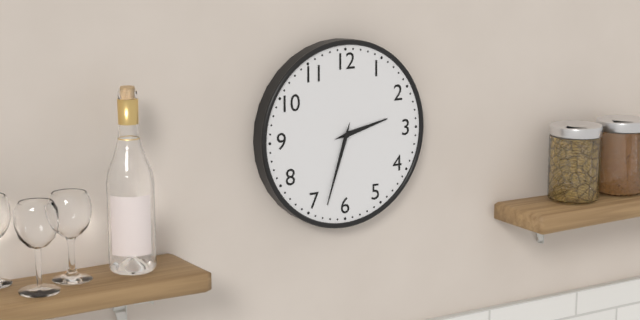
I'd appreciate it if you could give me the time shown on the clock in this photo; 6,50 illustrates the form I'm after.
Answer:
2,33
